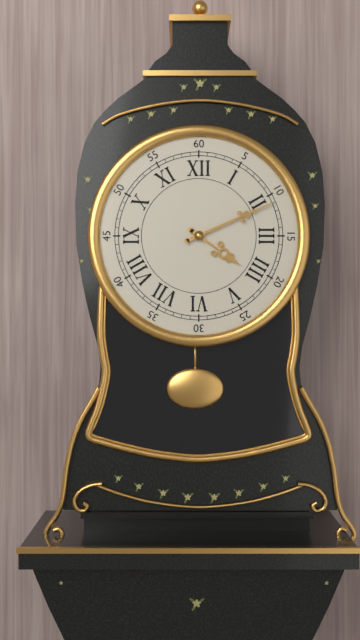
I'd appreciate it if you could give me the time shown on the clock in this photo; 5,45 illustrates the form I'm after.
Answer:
4,11
